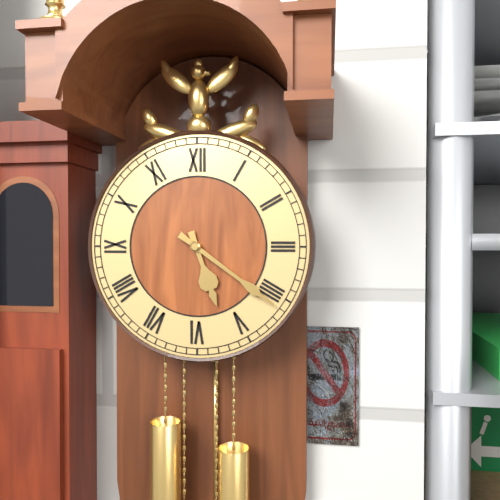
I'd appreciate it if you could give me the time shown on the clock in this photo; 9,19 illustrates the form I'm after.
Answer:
5,21
